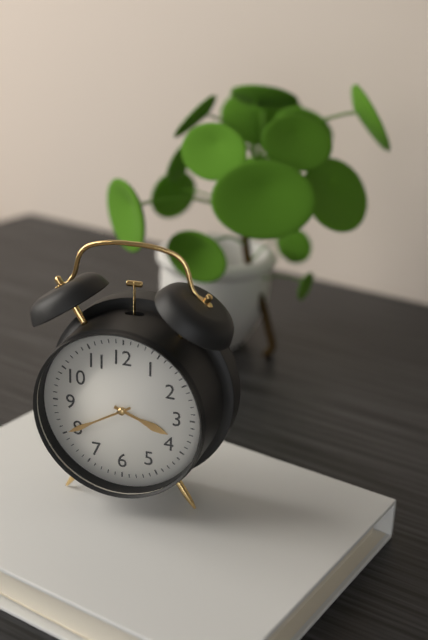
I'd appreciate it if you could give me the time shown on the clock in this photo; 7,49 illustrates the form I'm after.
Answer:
3,40
